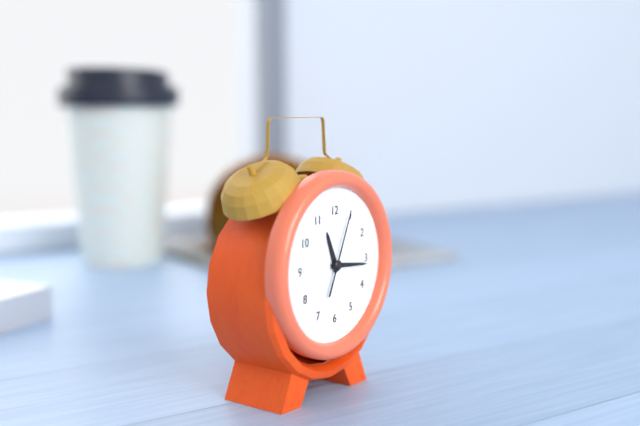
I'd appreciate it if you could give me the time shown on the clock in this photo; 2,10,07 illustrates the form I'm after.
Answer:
11,16,04
